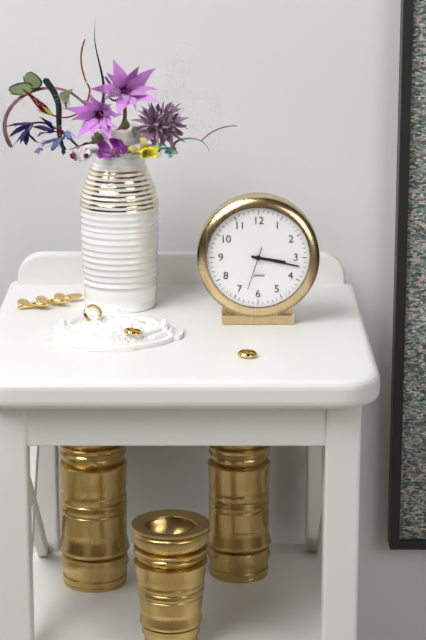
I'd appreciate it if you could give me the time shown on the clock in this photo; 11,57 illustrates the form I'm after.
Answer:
3,17
